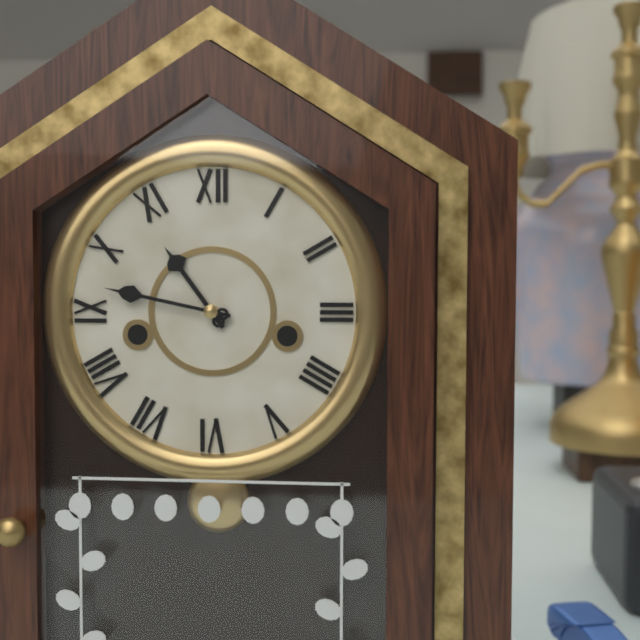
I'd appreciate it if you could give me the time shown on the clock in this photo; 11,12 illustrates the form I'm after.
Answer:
10,47
